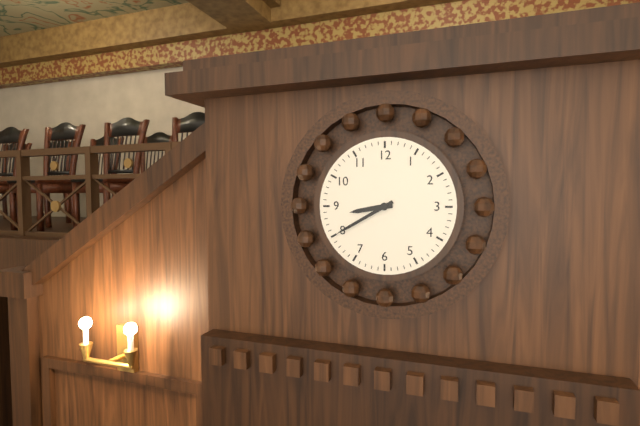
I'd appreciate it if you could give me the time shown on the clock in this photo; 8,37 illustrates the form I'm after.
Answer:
8,40
